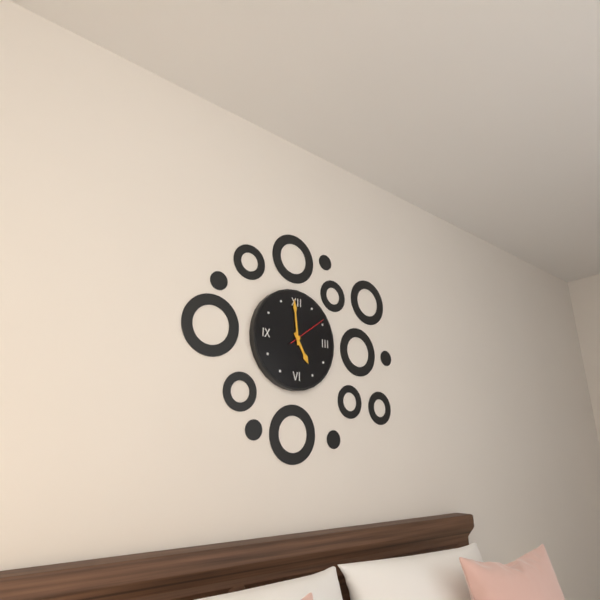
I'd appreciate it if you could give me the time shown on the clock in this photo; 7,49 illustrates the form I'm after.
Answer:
4,59
